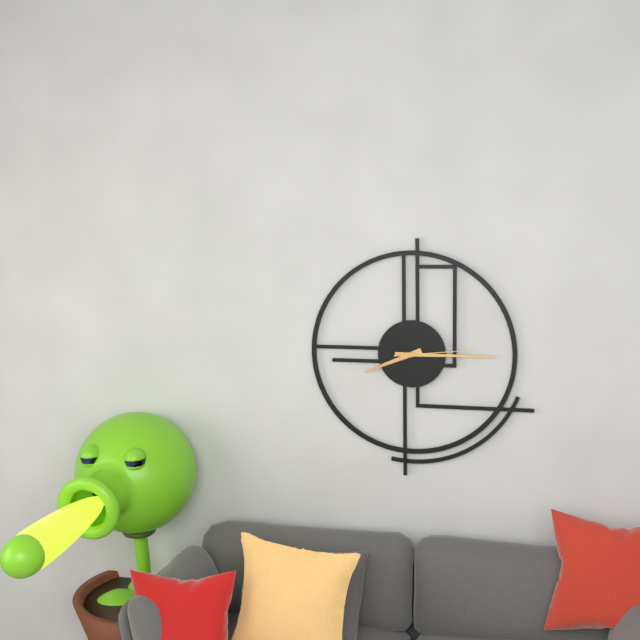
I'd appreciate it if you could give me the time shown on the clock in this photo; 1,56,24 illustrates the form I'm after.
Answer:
8,15,14
